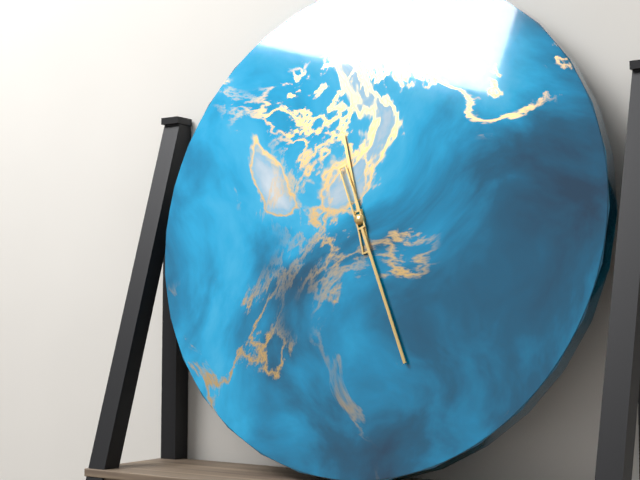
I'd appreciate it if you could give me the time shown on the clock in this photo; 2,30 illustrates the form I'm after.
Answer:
11,26
